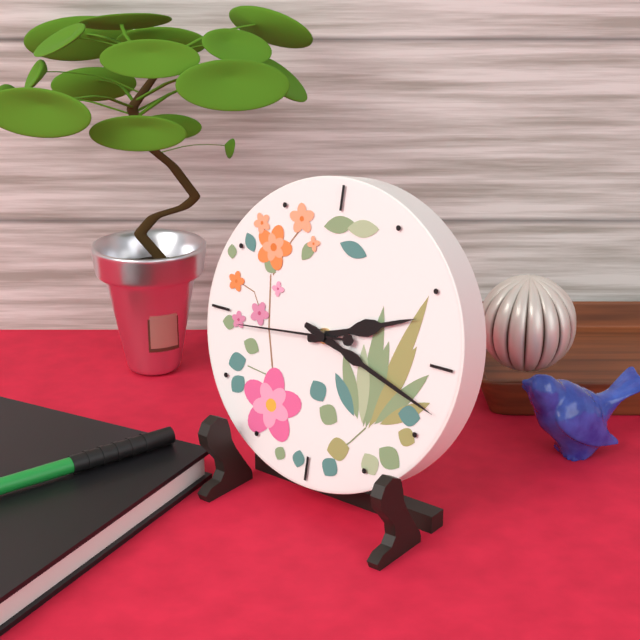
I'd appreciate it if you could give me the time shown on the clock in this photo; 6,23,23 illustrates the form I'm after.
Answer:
2,18,44
